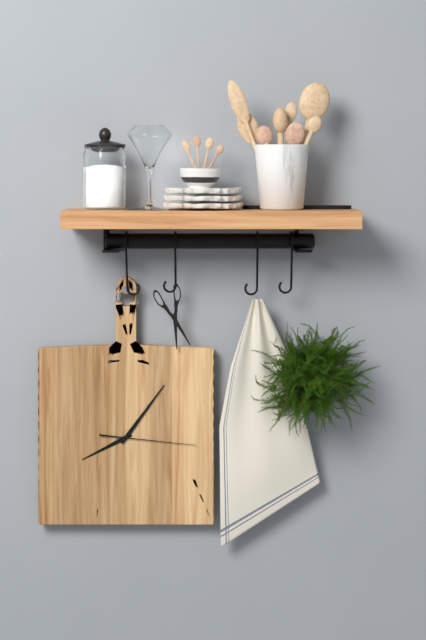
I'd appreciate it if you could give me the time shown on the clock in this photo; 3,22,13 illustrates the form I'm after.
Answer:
8,06,16
